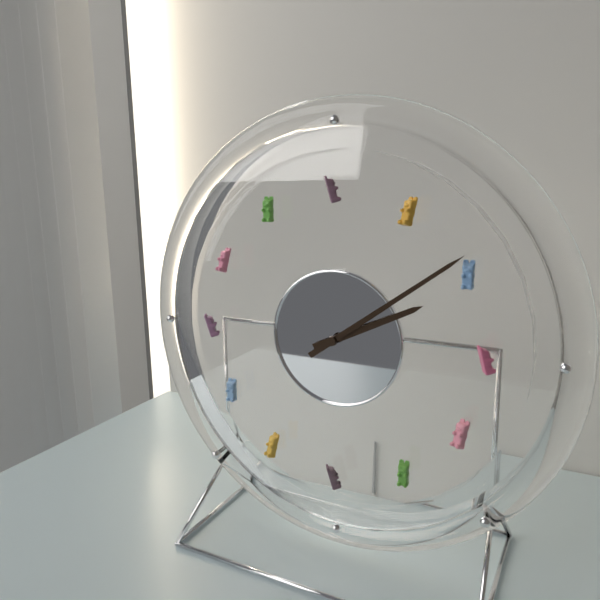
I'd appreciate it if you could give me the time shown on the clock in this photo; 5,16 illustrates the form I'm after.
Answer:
2,09
